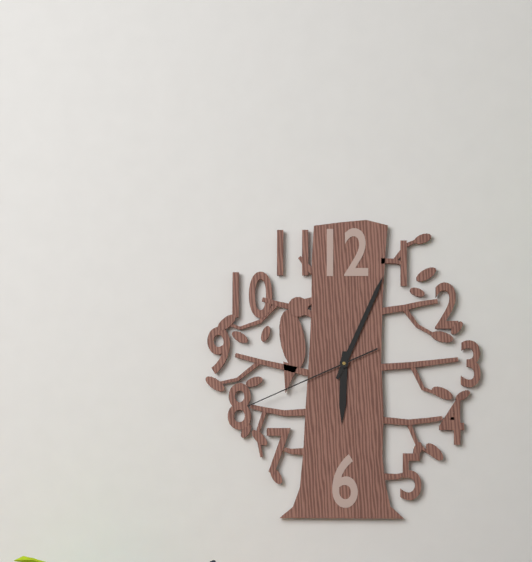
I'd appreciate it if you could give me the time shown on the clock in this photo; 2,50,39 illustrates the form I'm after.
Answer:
6,04,41
